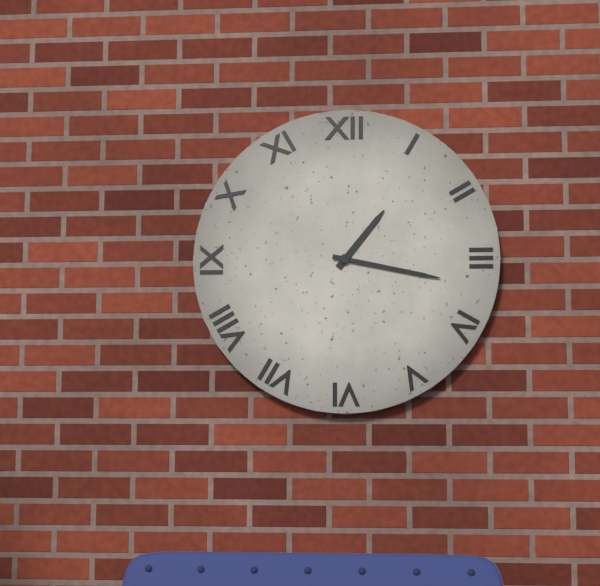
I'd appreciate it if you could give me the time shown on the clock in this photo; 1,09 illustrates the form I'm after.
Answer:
1,17
